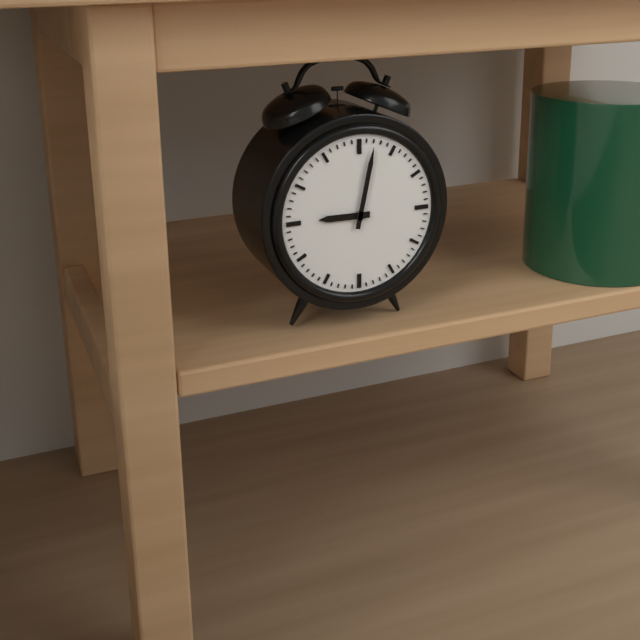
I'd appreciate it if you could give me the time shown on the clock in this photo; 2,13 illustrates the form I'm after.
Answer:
9,02
